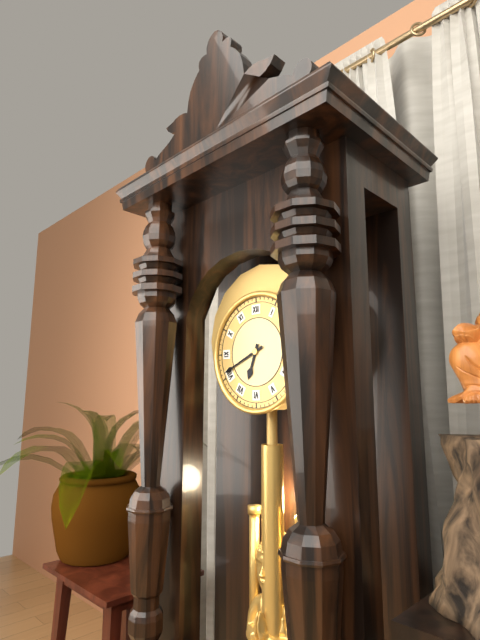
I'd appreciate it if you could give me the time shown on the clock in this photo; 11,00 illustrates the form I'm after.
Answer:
6,41
